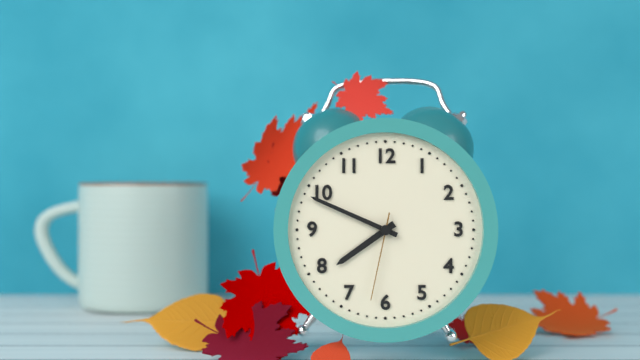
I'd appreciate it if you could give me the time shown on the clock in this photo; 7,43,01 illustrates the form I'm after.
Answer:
7,49,32
